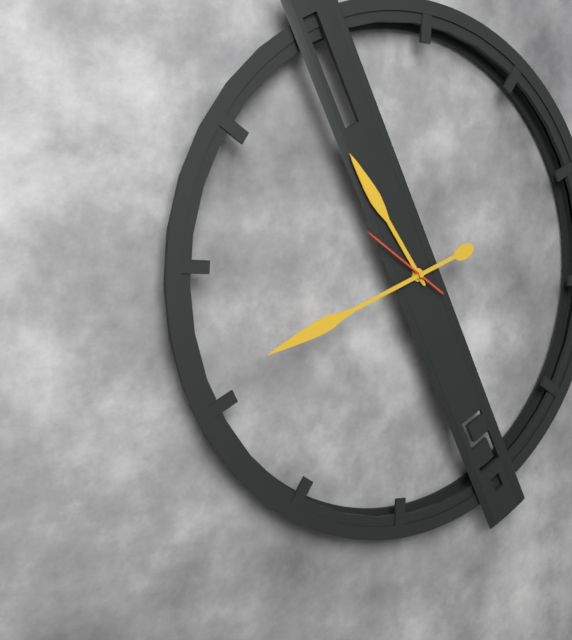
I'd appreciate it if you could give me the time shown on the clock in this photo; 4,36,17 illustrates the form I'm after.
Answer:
10,41,50
